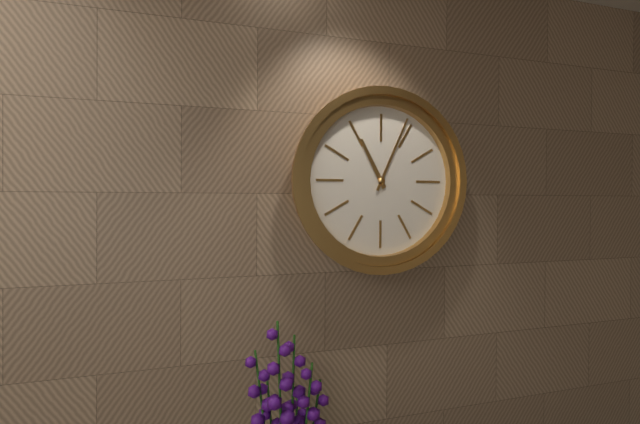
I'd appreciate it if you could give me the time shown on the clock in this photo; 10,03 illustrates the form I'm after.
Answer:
11,04
